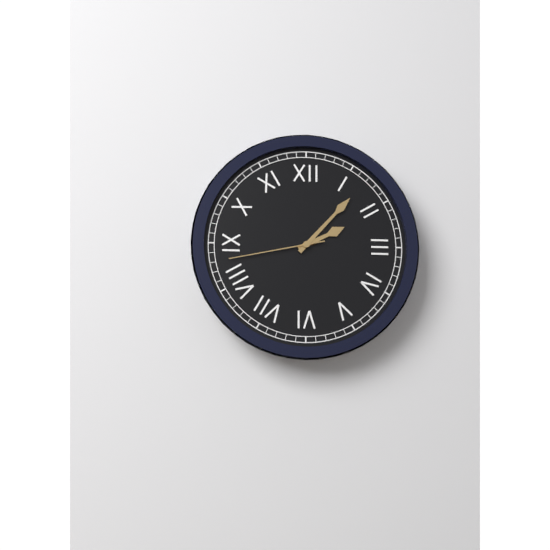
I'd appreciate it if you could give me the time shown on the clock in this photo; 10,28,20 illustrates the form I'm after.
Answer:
2,07,43
